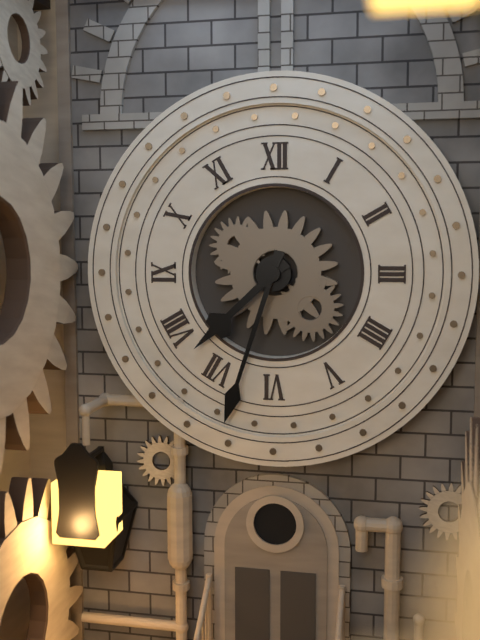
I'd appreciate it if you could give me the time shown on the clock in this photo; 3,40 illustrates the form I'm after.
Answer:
7,33
